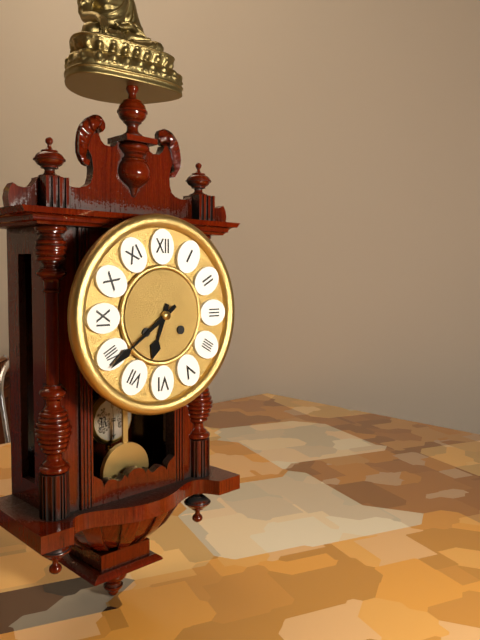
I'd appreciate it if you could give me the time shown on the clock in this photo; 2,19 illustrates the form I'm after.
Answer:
6,39
